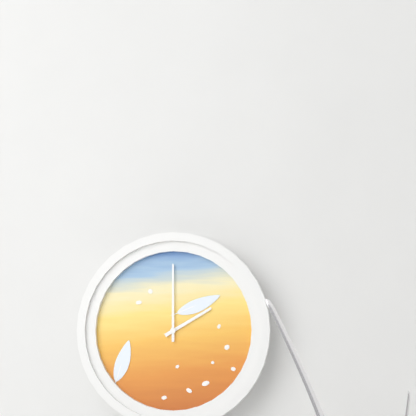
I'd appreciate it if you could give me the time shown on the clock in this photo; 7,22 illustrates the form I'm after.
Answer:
2,00
